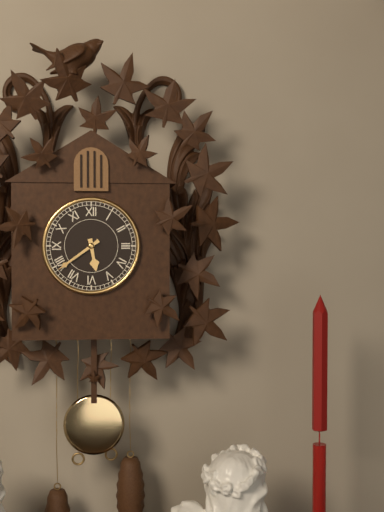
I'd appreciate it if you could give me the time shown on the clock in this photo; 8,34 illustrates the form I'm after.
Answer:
5,39
